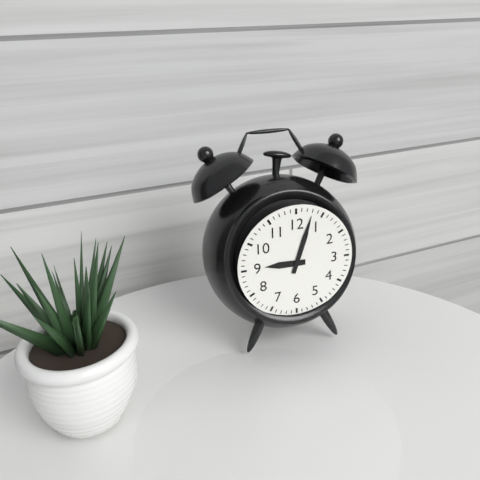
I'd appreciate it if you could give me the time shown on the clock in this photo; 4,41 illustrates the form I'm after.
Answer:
9,03
